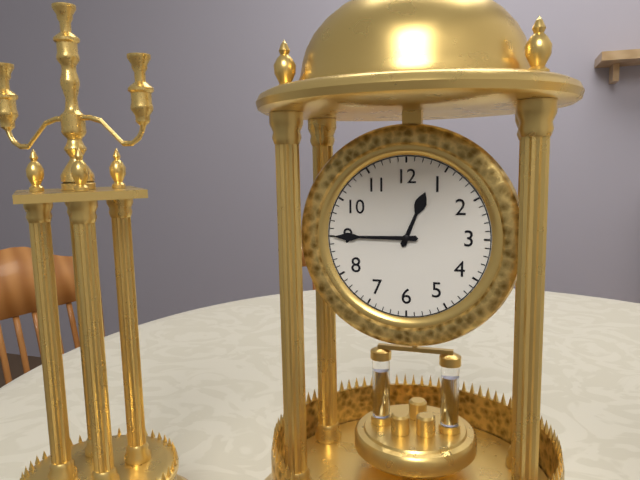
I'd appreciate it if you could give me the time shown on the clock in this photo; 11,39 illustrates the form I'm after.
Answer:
12,45
